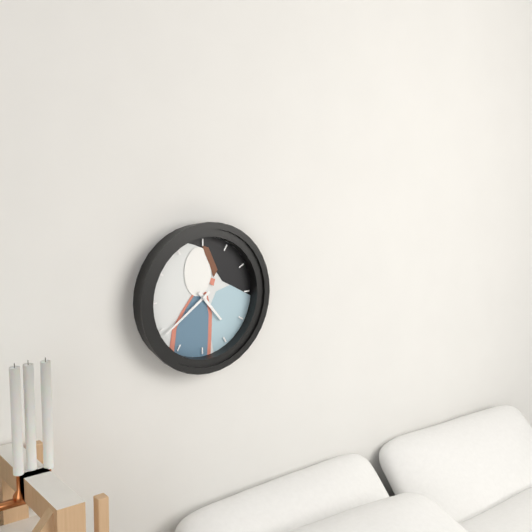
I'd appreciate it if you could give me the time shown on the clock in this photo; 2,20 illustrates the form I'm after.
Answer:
4,39
